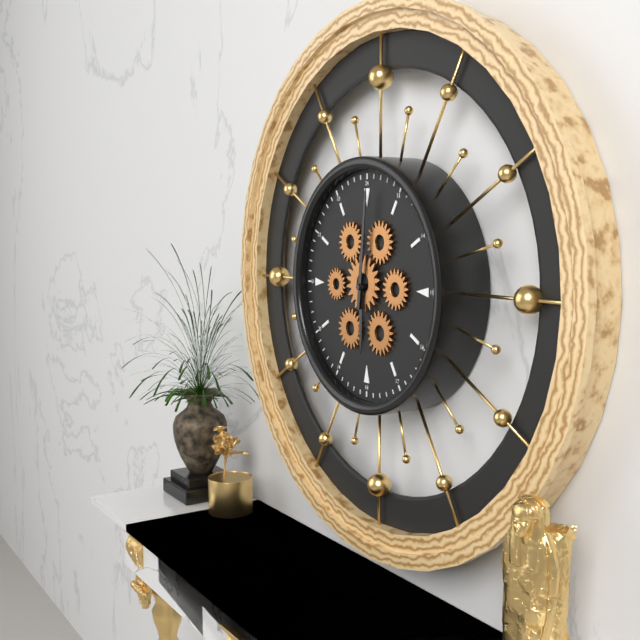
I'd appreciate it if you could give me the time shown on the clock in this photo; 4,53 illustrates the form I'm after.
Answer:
6,01
